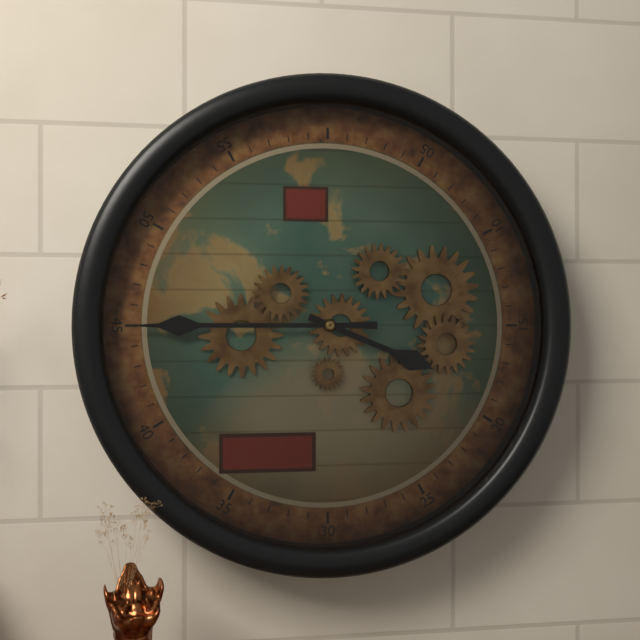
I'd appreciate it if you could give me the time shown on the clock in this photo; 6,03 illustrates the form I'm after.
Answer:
3,45
